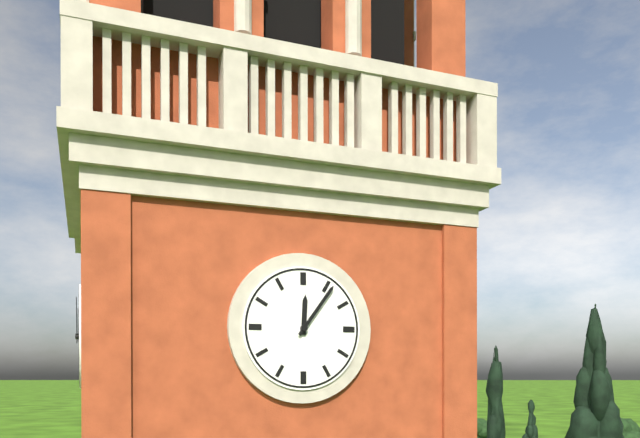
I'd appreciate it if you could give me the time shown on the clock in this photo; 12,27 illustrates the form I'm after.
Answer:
12,06
